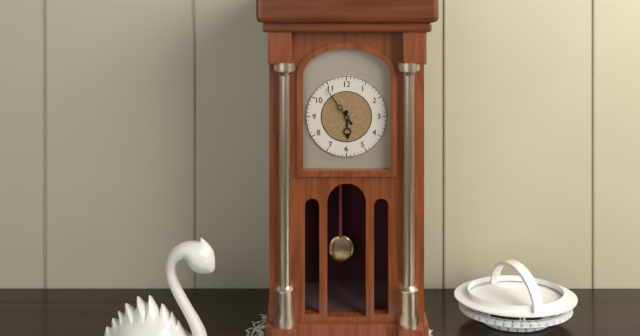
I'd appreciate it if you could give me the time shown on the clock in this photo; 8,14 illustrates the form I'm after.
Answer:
5,54
